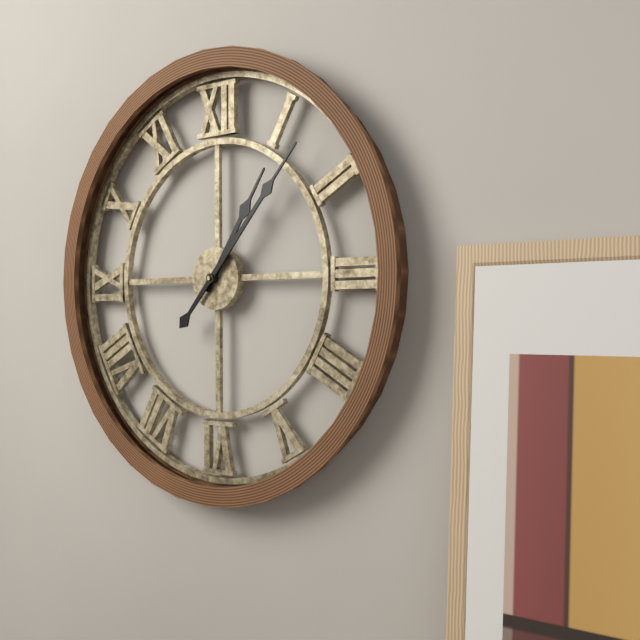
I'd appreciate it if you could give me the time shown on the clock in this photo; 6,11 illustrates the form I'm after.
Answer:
1,07
